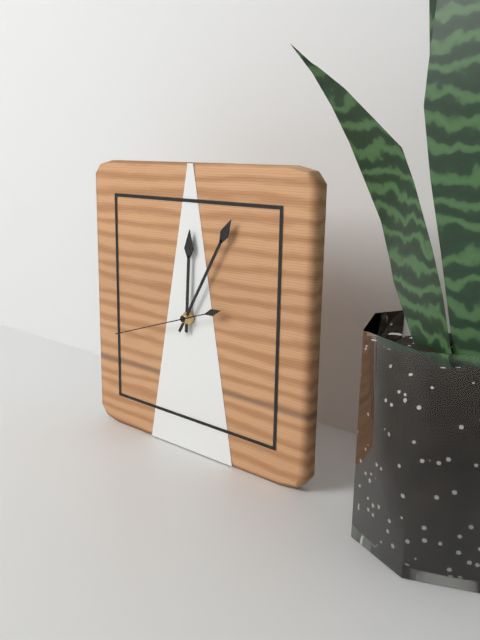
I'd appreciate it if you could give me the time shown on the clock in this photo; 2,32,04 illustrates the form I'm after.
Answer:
12,05,42
